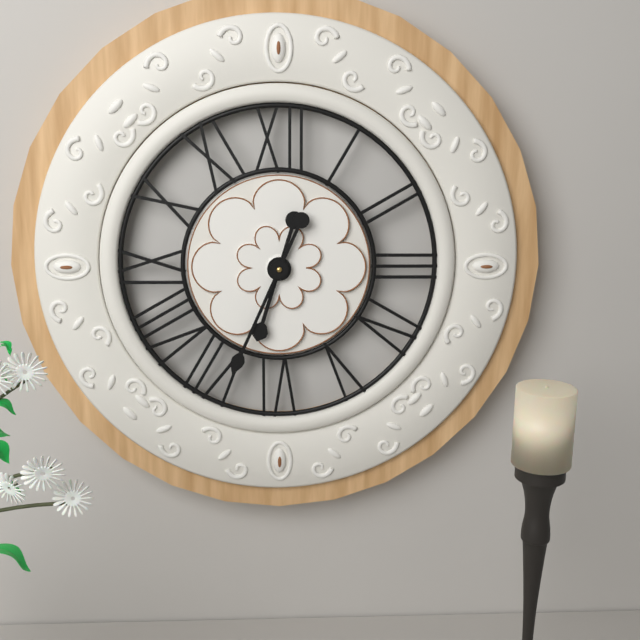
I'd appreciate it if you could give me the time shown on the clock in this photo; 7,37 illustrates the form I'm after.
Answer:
6,34
